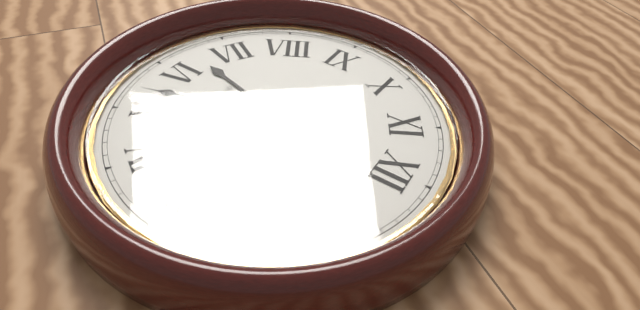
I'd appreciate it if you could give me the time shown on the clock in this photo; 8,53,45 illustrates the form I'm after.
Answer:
6,27,25
